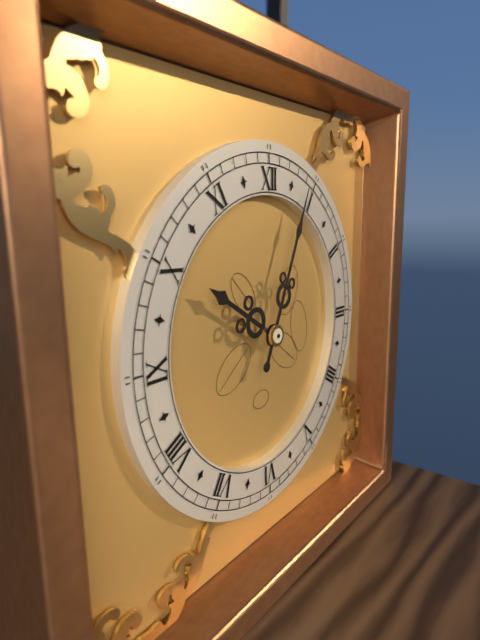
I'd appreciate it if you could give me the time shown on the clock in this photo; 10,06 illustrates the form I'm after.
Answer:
10,04
